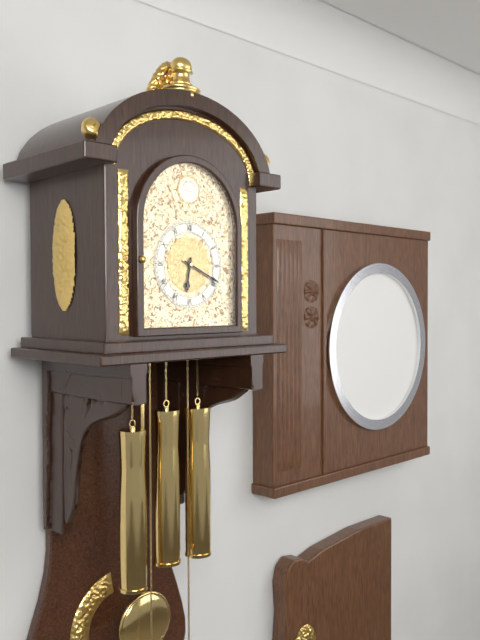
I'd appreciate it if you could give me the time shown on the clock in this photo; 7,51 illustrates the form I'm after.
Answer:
6,19
